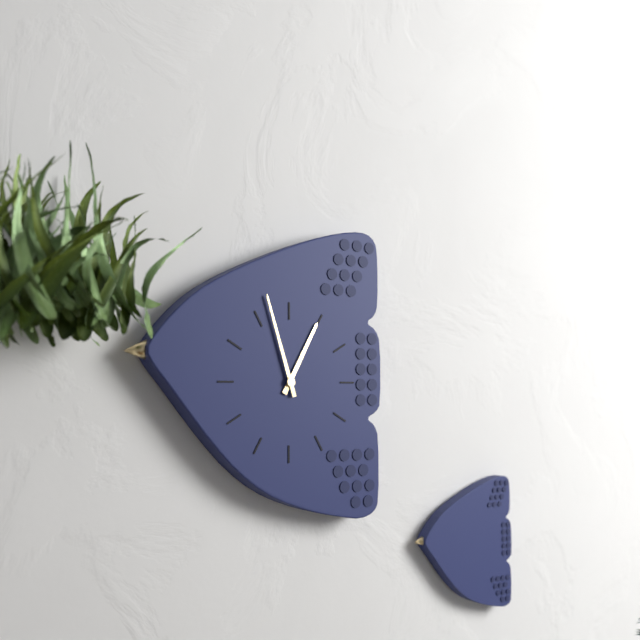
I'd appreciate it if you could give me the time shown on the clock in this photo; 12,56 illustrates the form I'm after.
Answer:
12,57
